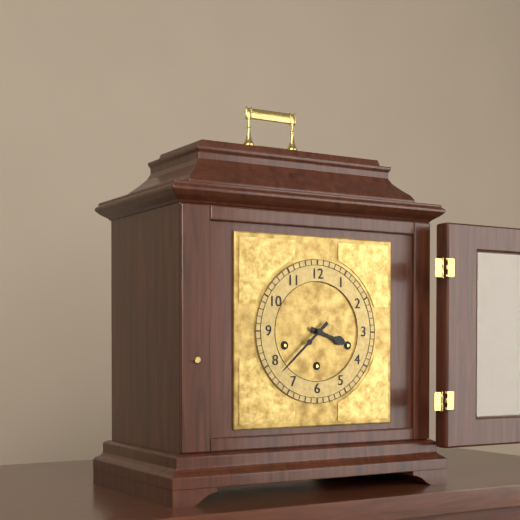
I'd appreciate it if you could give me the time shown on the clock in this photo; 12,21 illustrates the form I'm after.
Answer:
3,38
